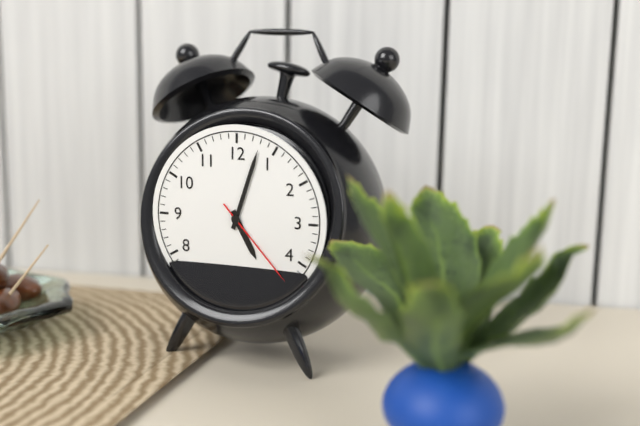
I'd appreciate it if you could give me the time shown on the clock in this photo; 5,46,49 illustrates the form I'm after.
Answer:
5,03,23
